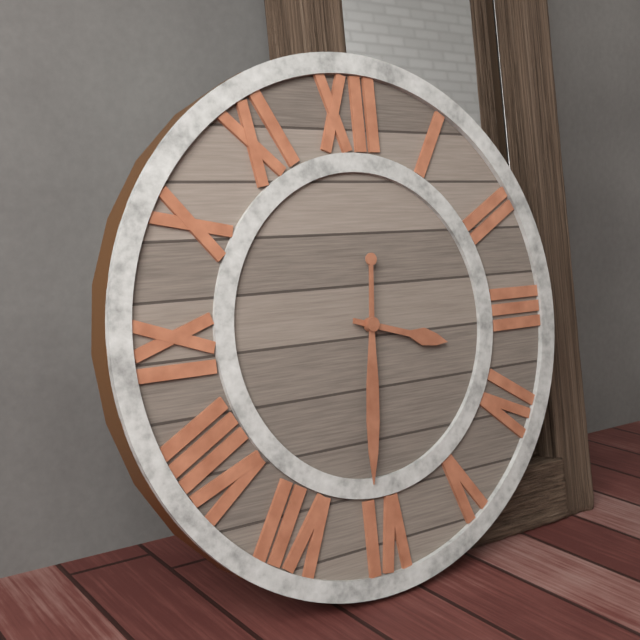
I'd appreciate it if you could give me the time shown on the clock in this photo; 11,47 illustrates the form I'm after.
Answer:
3,31
